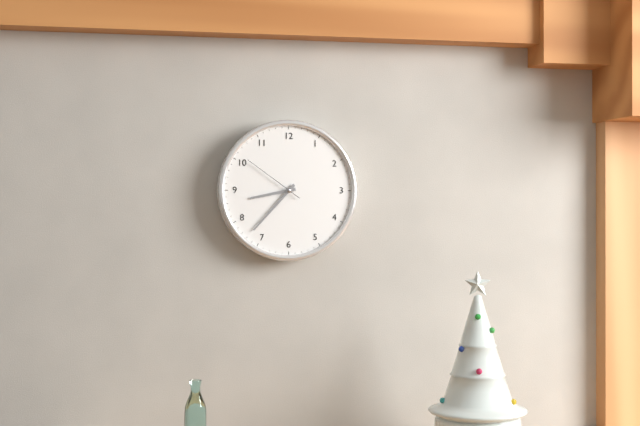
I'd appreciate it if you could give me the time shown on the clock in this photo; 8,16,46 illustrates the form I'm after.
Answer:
8,37,51
